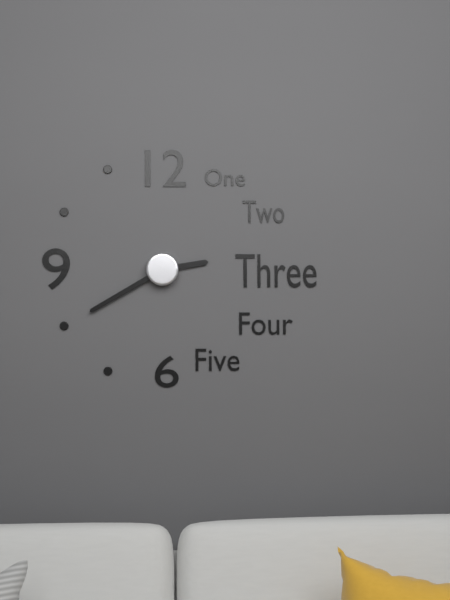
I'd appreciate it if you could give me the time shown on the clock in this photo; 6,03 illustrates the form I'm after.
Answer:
2,40
